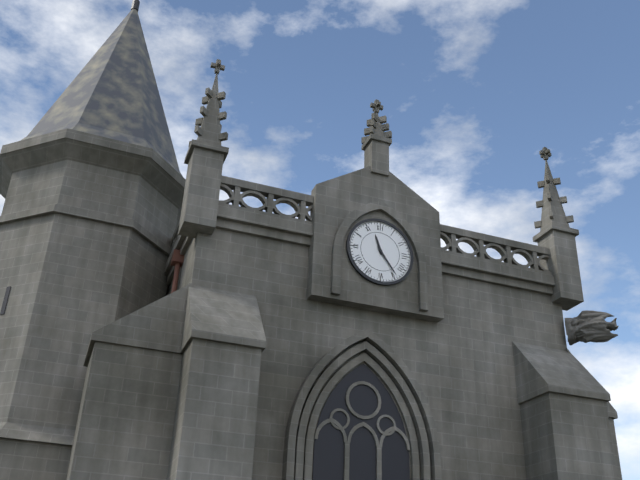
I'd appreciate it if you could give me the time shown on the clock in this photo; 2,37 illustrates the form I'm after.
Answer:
11,24
